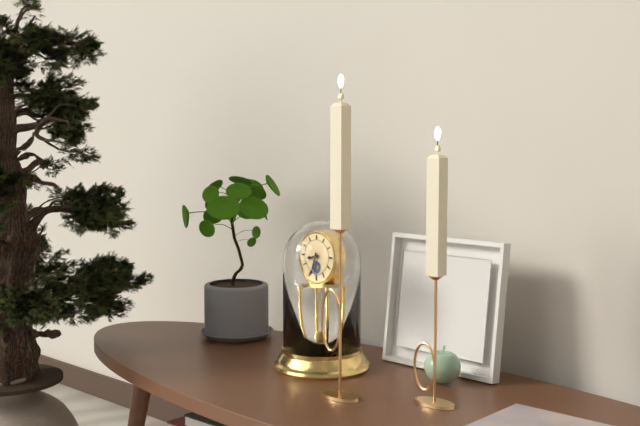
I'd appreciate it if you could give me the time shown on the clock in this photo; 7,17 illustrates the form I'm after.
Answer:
8,33
